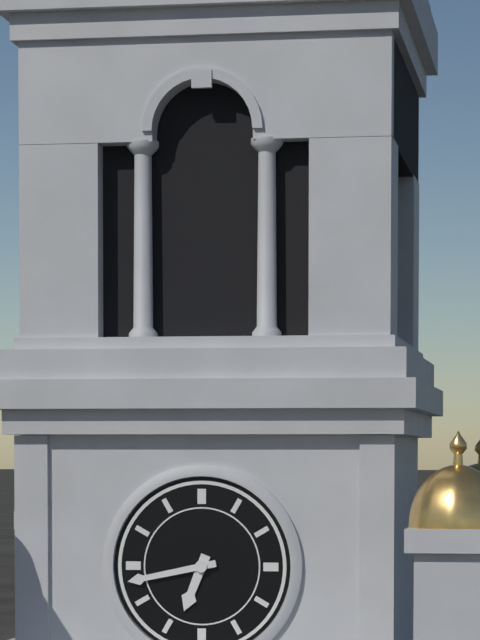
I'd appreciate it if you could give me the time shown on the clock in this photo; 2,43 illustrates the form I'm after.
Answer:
6,43
